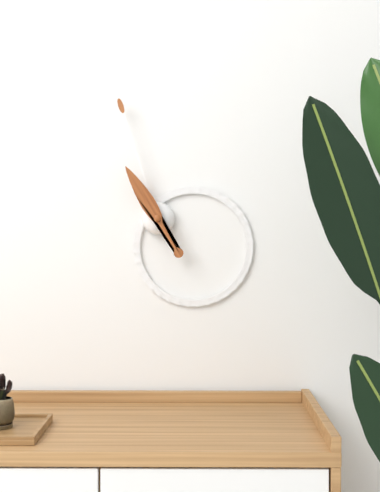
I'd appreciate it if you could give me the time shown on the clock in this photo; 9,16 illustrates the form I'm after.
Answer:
10,57
